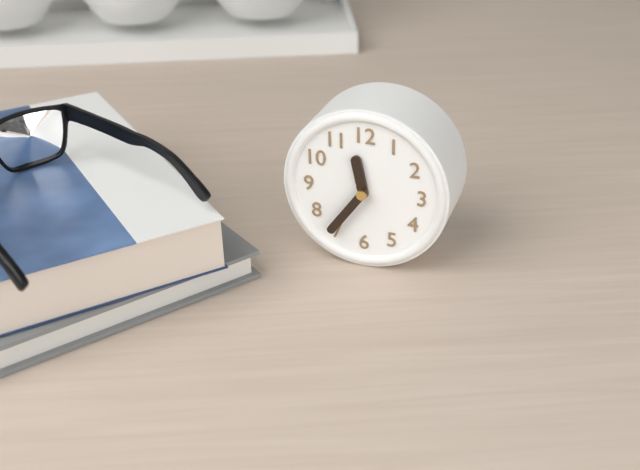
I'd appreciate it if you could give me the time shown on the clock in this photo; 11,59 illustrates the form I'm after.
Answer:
11,36
